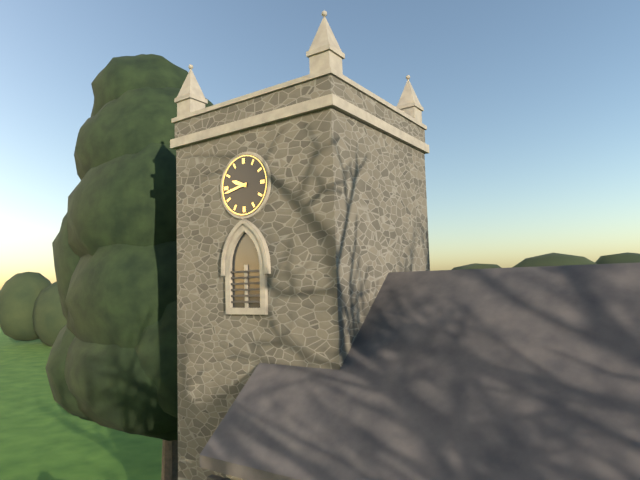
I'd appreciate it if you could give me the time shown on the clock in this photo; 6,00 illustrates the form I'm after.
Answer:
9,43
